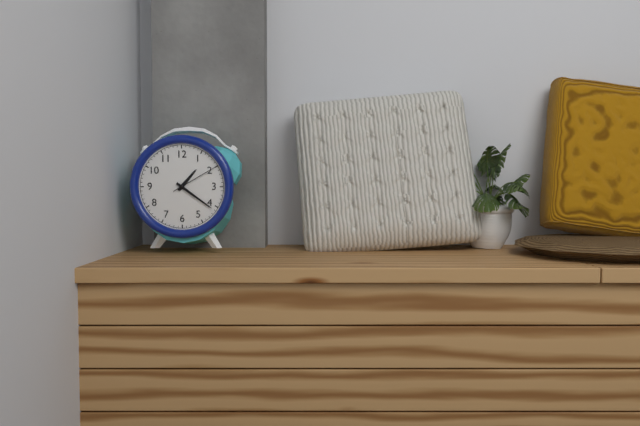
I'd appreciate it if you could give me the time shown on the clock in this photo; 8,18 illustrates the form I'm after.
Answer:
1,21
